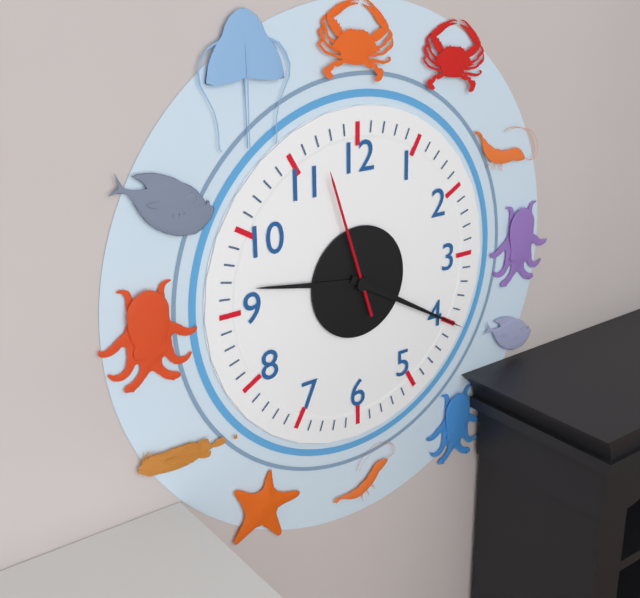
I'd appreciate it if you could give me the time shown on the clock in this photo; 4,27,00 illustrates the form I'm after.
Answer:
9,20,57
